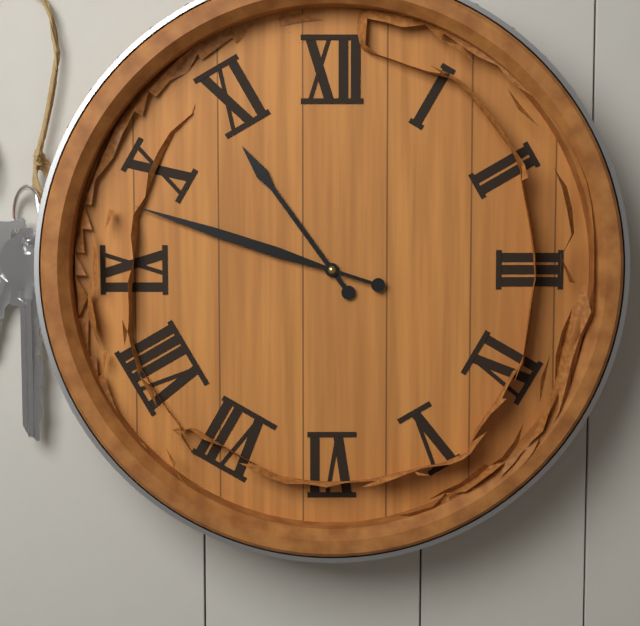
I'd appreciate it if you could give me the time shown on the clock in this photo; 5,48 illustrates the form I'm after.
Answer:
10,48
